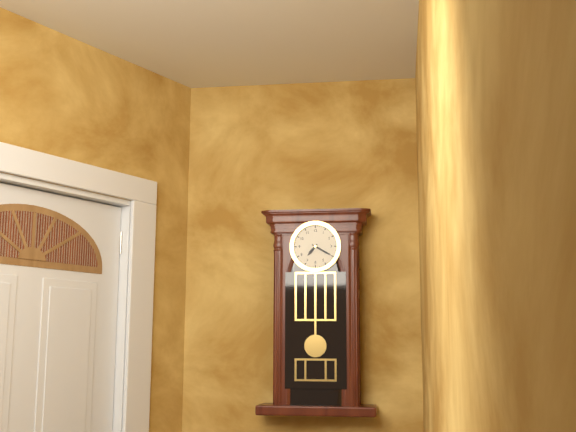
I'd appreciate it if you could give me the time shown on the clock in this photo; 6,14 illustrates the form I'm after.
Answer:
7,20
